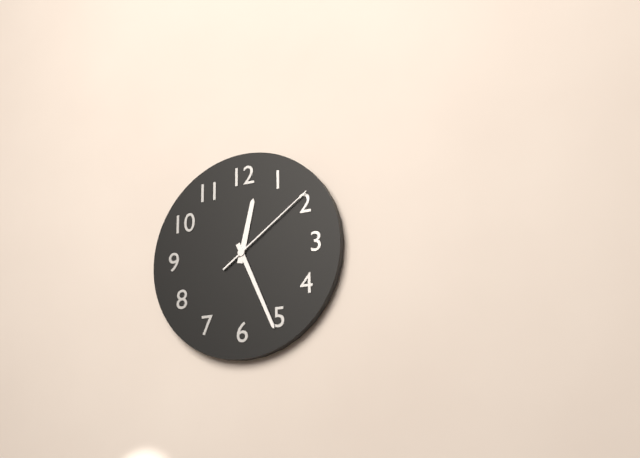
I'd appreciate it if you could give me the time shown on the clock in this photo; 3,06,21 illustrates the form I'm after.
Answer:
12,26,09
